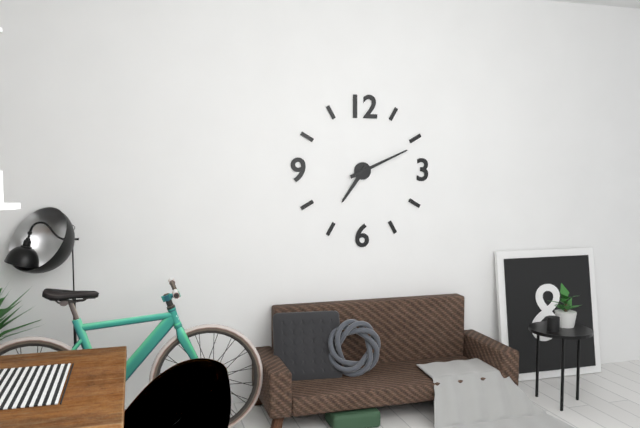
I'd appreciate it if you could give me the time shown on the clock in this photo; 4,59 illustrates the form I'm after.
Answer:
7,11
